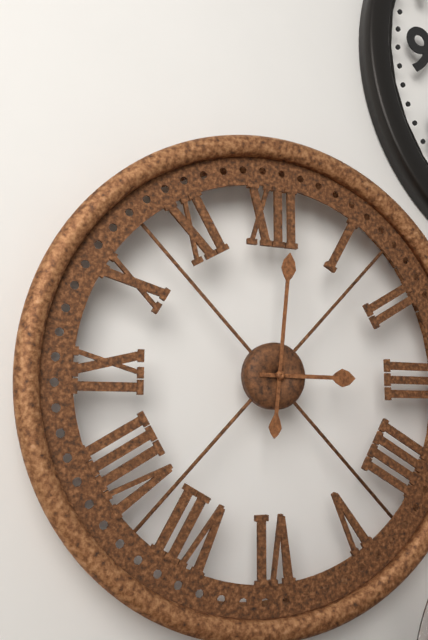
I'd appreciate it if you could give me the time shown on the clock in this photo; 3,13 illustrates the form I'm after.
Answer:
3,01
